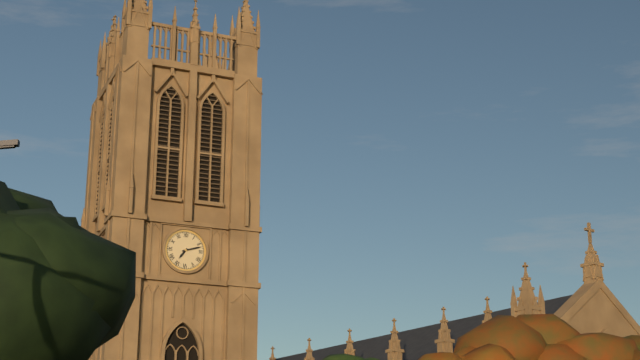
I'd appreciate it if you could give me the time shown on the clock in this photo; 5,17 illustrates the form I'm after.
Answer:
7,12
